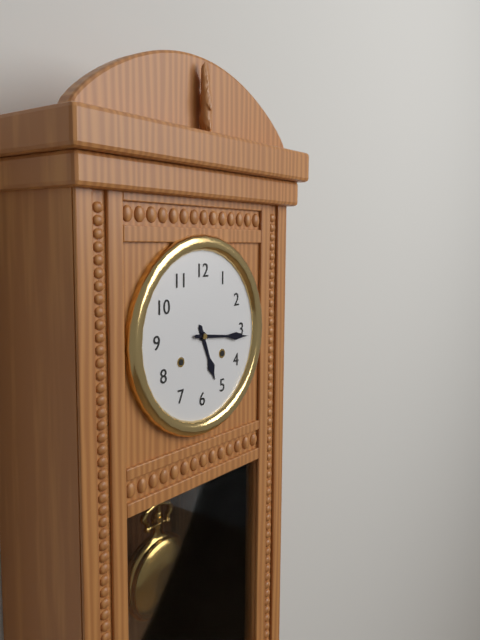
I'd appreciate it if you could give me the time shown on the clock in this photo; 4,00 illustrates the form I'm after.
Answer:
5,16
